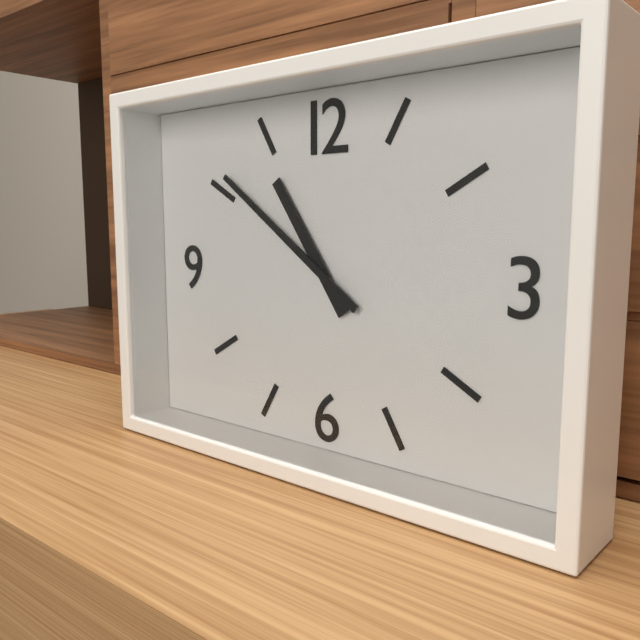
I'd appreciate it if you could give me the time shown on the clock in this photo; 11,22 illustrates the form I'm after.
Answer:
10,51
